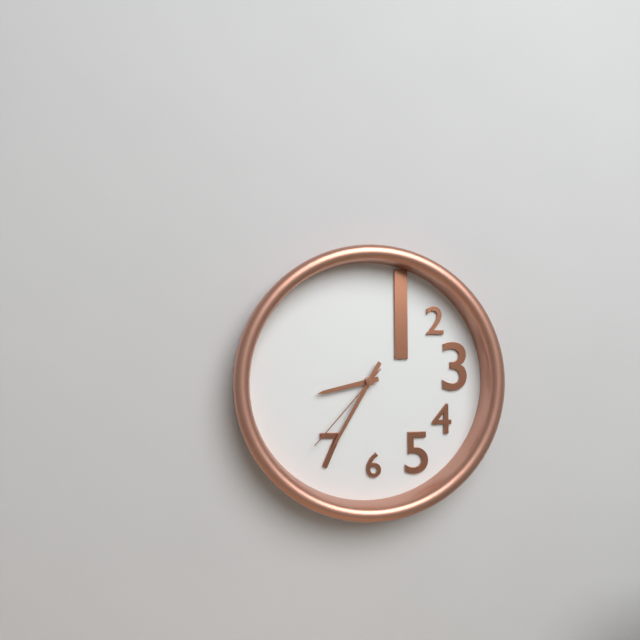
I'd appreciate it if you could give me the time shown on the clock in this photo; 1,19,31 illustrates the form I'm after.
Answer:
8,35,37
